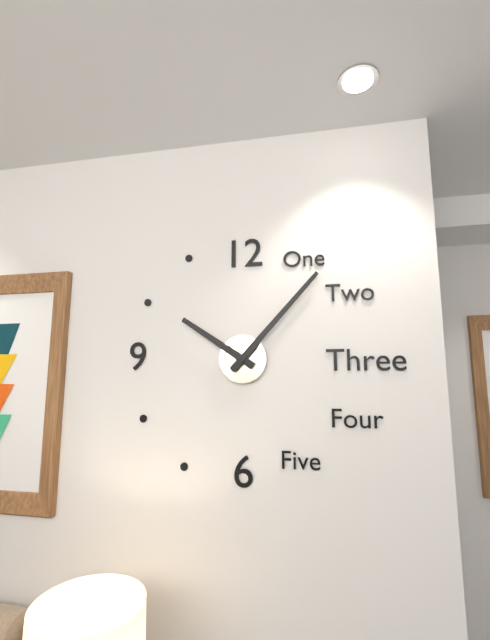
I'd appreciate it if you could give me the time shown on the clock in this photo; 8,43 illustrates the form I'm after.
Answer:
10,07
